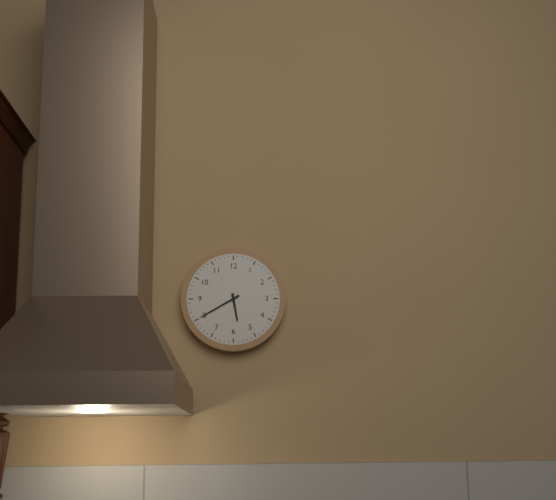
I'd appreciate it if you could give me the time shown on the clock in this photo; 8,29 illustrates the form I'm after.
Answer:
5,40
